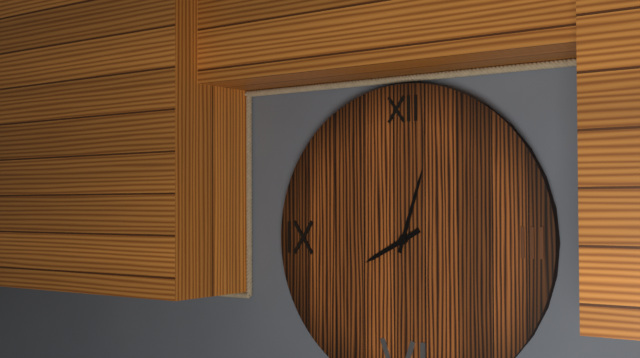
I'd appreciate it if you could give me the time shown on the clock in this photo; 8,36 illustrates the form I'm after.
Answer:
8,03
